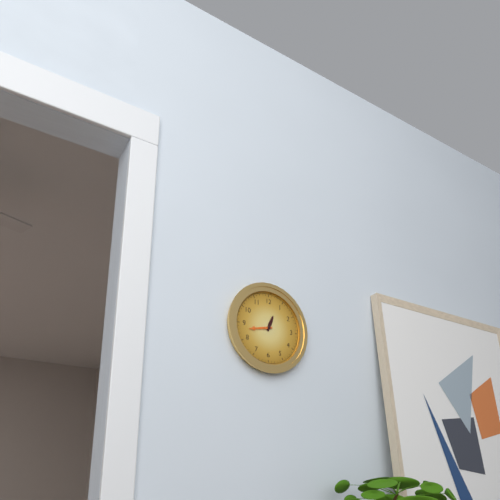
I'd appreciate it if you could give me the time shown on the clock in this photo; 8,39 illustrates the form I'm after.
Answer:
12,43
